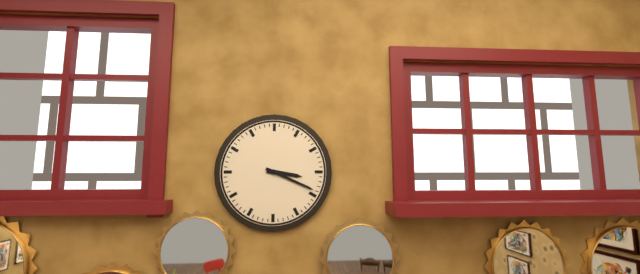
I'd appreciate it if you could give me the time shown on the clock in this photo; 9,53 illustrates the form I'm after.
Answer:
3,19
